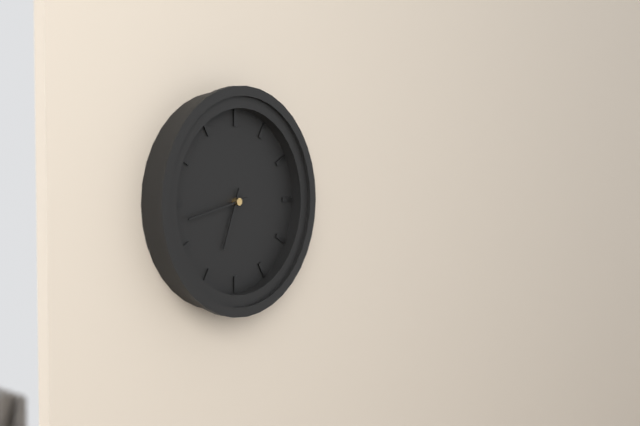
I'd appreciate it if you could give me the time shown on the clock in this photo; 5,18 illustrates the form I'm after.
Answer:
6,43
